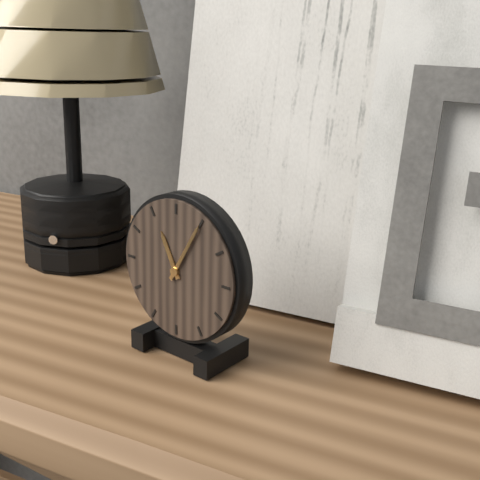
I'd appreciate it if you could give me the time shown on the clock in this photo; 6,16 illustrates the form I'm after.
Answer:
11,05
